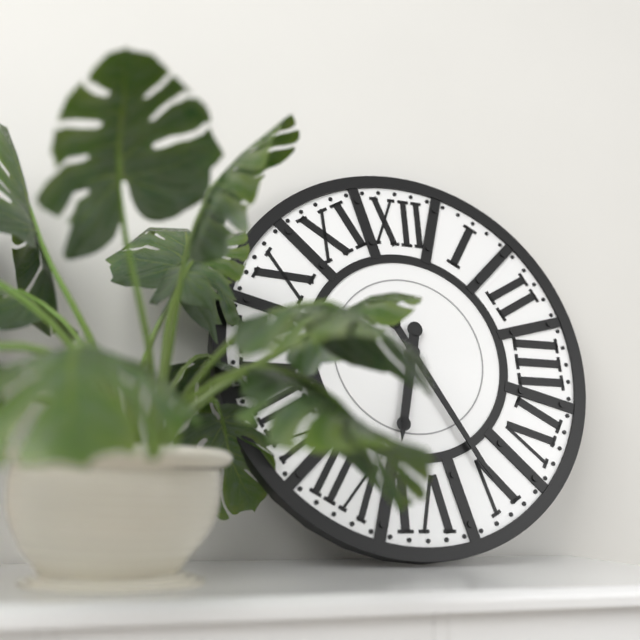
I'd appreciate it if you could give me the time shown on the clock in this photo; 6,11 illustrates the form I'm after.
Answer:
6,25
